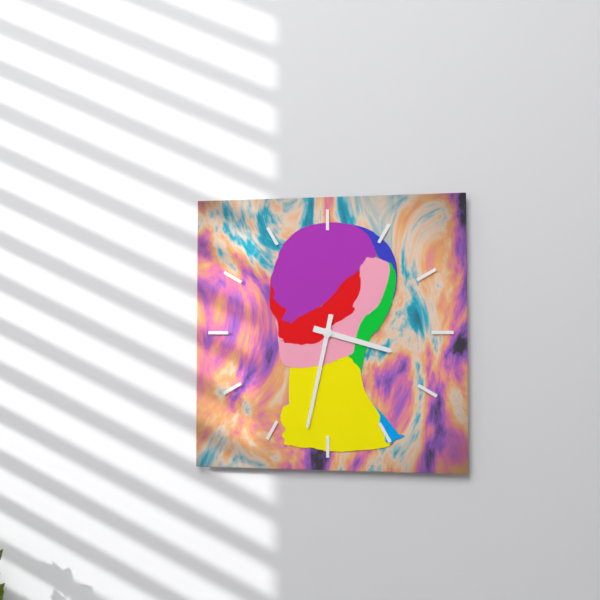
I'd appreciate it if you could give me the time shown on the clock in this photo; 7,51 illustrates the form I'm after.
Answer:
3,32
